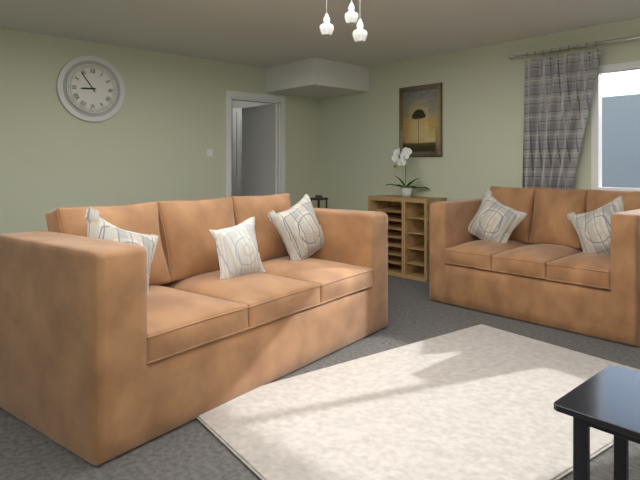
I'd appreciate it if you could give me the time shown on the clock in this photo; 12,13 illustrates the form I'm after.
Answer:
8,54
